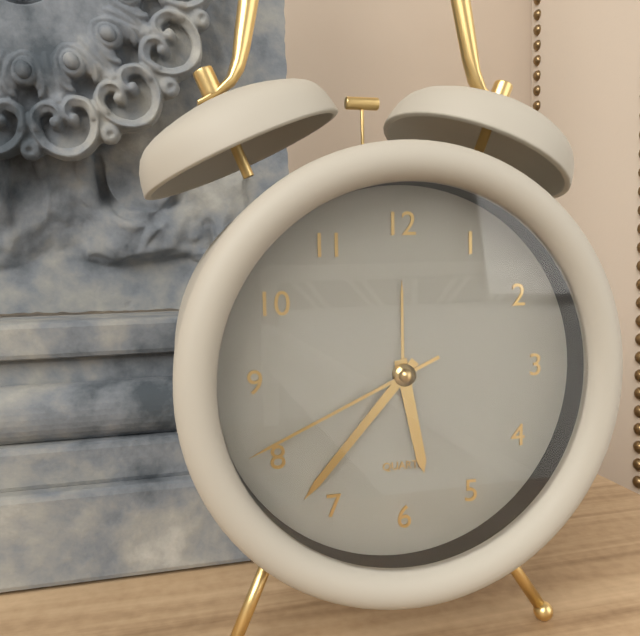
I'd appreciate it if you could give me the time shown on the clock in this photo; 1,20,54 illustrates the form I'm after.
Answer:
5,37,41
